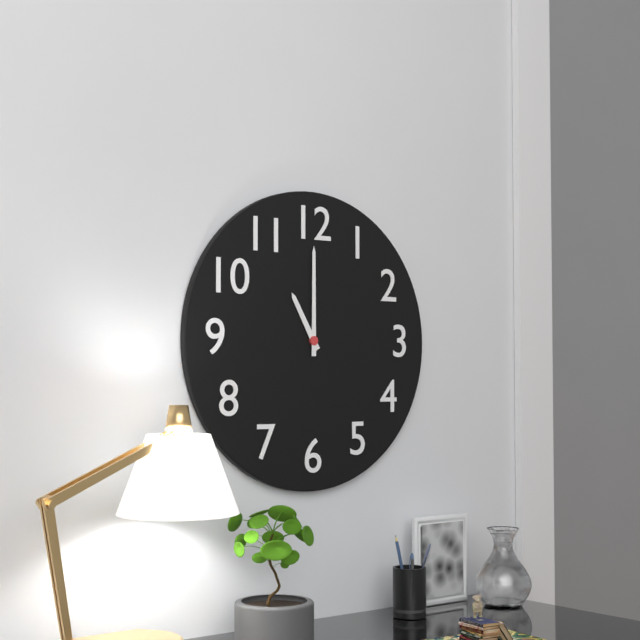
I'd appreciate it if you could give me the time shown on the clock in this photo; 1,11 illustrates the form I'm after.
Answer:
11,00
